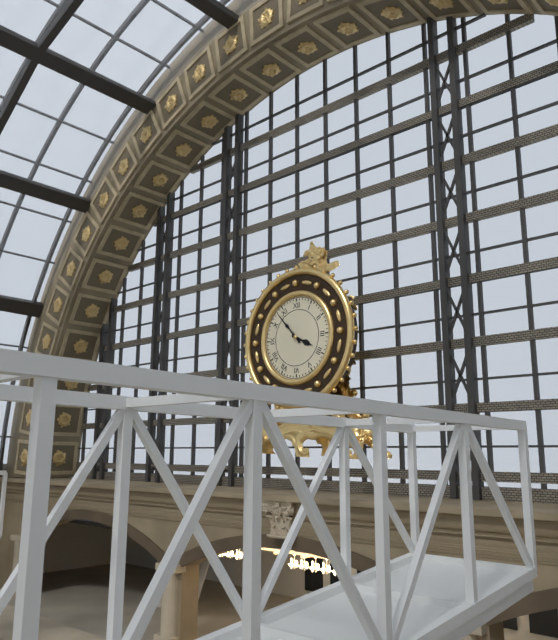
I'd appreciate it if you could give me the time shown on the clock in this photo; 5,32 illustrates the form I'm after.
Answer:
3,53
